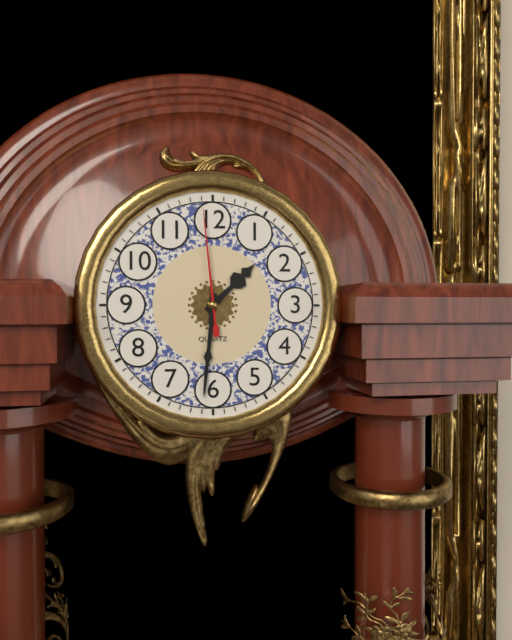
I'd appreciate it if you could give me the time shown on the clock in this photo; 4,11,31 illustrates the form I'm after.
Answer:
1,31,59
